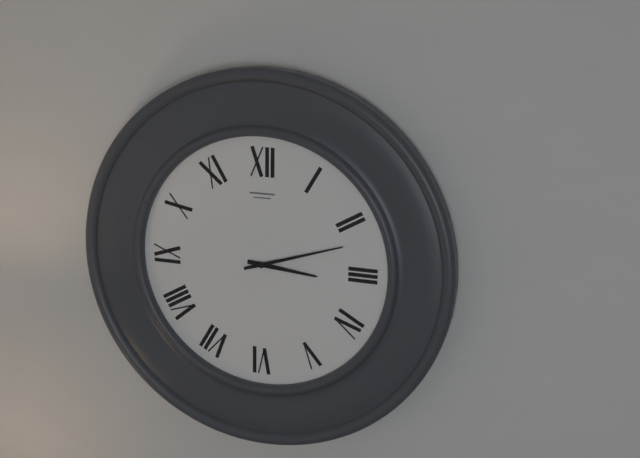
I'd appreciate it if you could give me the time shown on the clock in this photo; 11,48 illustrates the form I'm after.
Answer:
3,12
